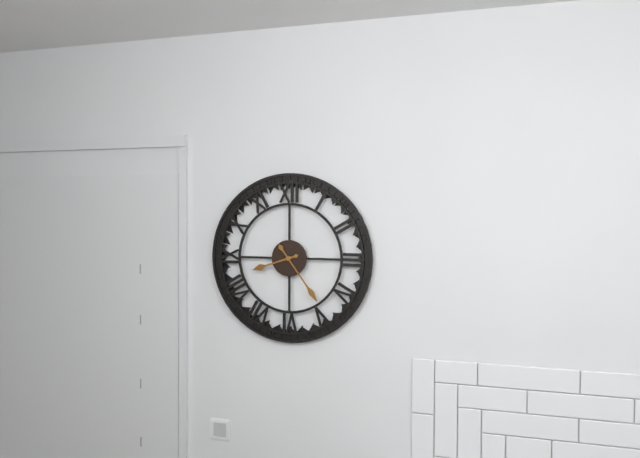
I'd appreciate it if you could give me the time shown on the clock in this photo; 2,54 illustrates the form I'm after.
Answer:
8,24
